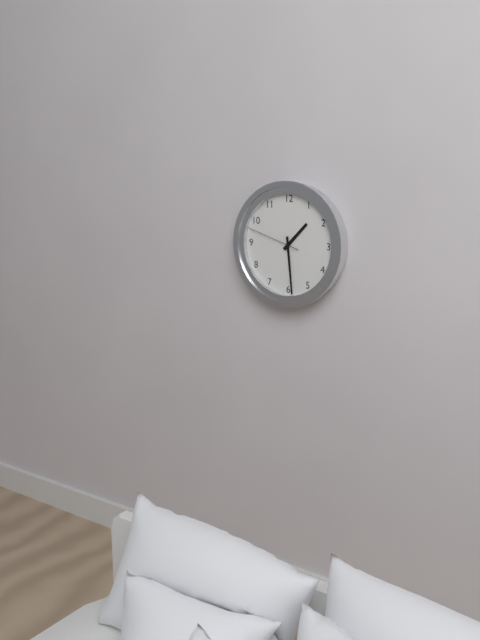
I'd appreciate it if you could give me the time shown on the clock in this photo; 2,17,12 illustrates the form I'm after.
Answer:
1,29,48
